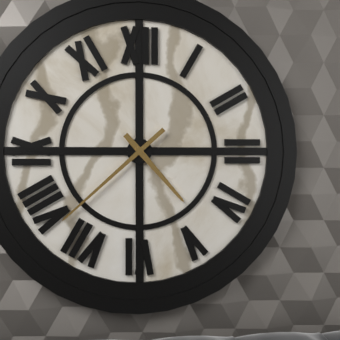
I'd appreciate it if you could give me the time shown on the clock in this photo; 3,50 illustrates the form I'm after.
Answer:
4,38
